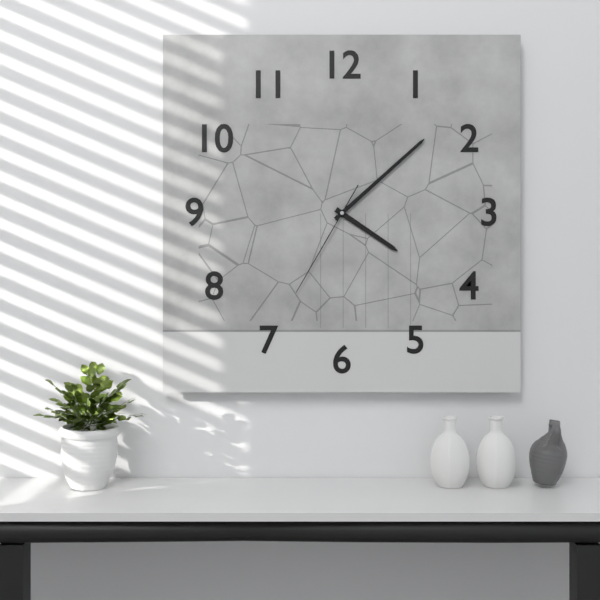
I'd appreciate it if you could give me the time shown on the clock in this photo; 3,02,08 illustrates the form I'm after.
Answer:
4,08,35
